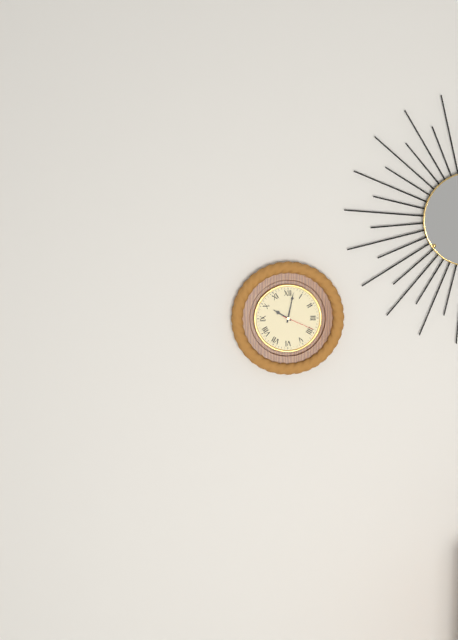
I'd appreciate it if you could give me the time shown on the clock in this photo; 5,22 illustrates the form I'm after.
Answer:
10,02
